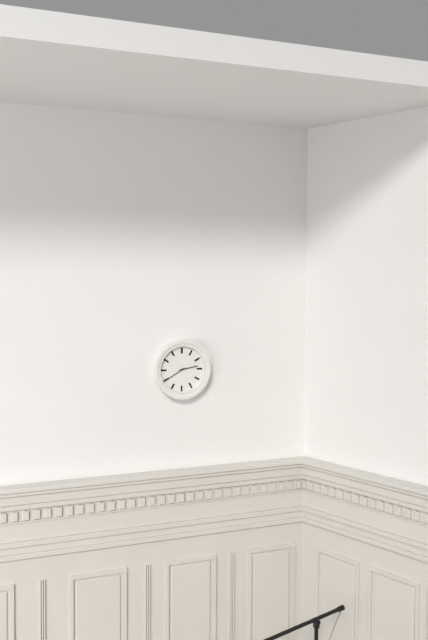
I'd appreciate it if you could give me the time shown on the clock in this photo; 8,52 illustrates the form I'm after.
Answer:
2,40
